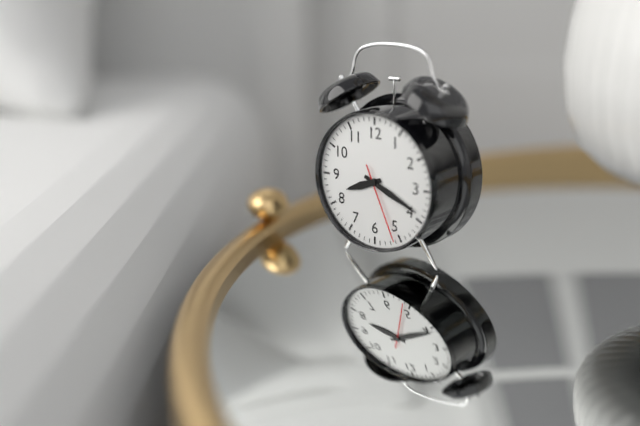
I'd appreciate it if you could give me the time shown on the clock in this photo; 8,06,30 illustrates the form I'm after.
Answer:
8,19,26
